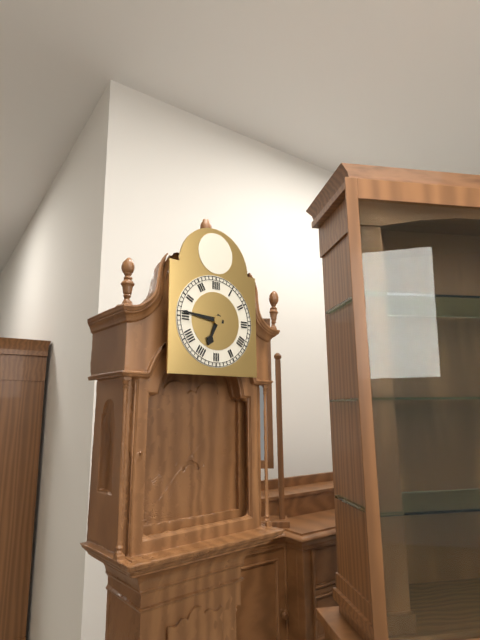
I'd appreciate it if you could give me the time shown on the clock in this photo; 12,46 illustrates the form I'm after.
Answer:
6,46
